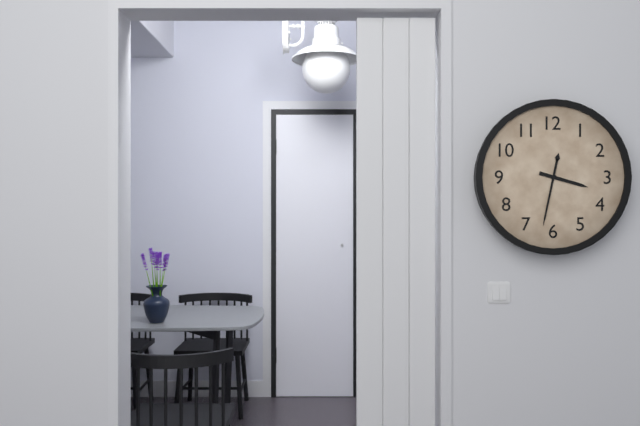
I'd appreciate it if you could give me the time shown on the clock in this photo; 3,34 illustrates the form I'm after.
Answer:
3,32
